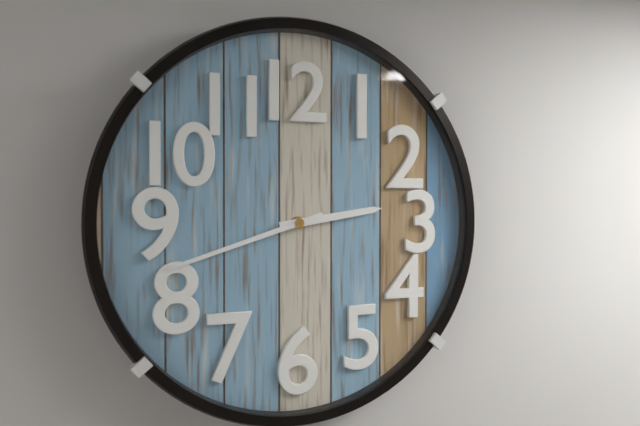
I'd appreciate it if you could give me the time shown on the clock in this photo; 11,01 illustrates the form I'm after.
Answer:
2,42
